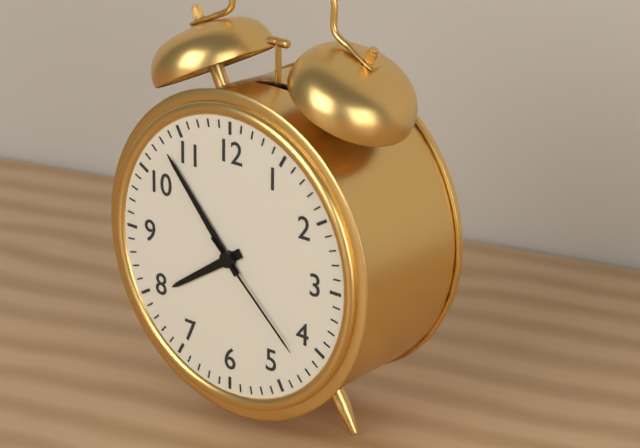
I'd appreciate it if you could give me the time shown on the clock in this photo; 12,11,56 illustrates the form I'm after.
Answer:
7,53,22
